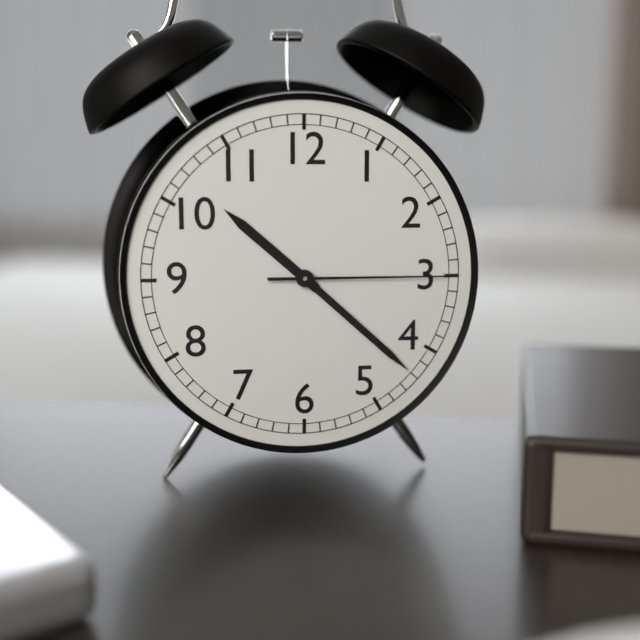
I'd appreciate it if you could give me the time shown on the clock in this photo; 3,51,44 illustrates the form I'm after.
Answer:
10,22,15
